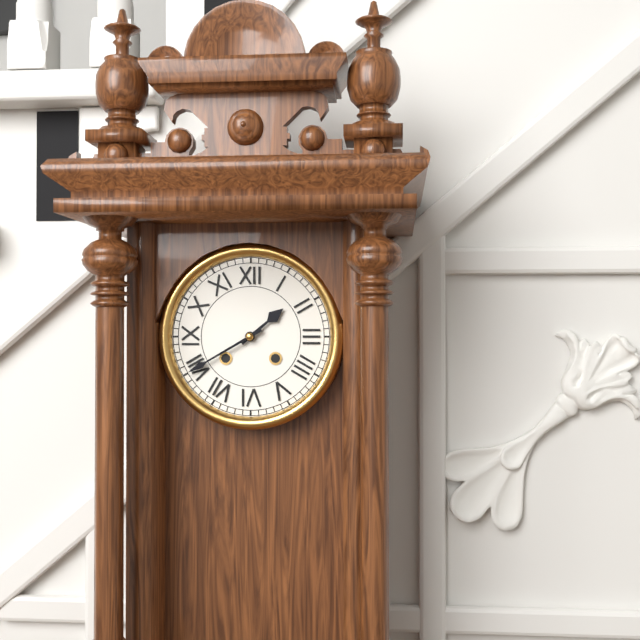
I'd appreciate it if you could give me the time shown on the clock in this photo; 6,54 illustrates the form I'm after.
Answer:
1,40
